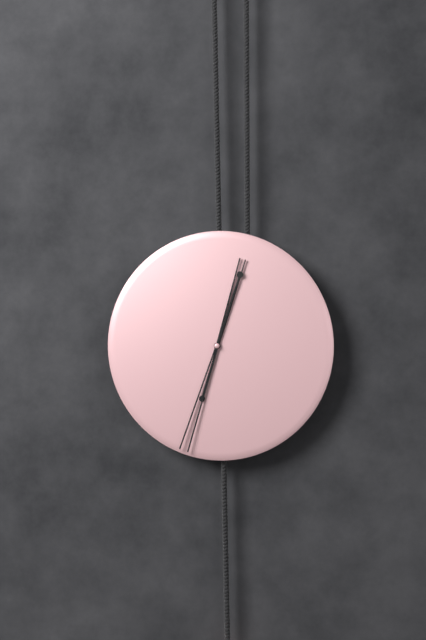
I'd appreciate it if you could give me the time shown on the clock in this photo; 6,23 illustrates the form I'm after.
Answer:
12,33
